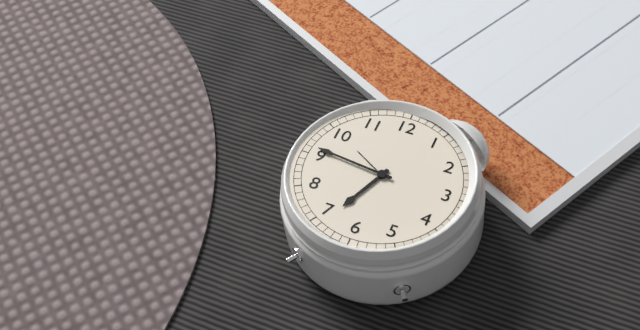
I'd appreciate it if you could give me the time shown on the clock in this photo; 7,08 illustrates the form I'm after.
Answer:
6,46
